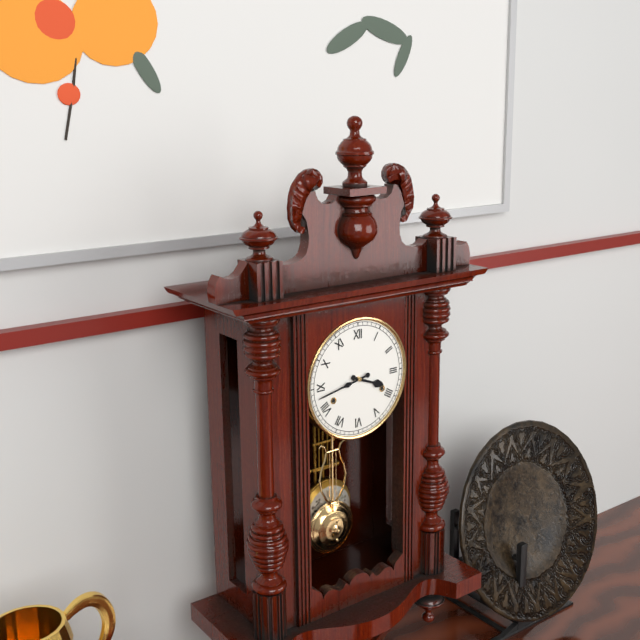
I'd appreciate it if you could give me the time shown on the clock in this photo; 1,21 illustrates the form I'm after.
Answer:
3,43
